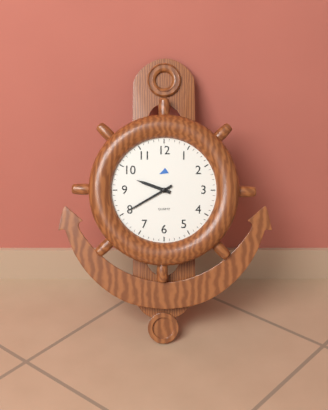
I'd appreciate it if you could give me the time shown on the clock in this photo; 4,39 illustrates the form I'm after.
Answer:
9,40
